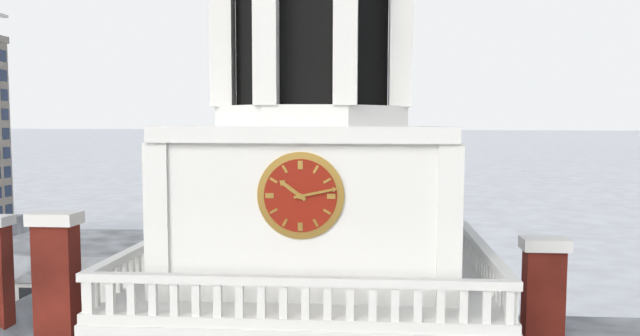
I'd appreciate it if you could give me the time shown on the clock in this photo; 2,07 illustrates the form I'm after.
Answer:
10,13
